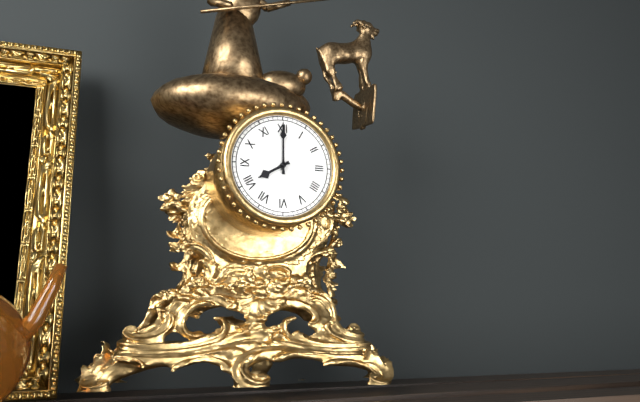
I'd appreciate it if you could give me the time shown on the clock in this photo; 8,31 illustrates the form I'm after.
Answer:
8,00
